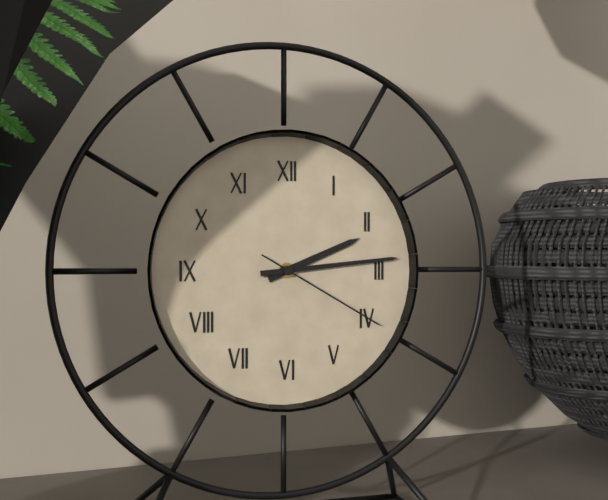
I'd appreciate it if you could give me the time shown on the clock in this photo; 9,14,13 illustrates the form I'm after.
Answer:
2,14,20
